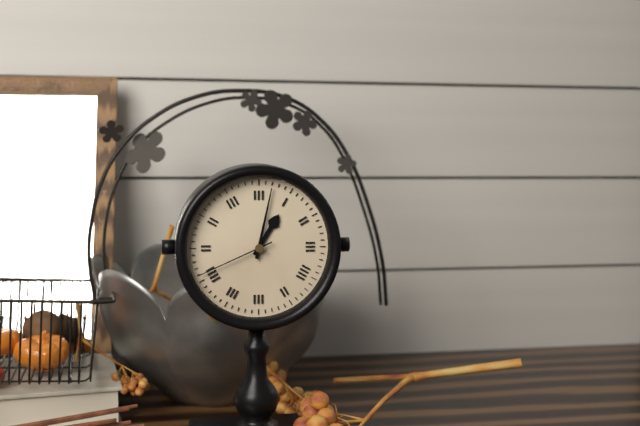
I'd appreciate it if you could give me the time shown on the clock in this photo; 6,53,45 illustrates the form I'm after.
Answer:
1,02,41
